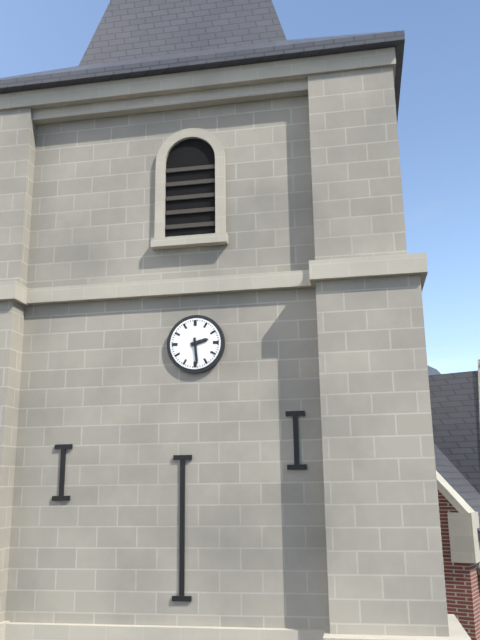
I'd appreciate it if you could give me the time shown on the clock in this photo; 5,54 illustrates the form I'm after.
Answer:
2,29
